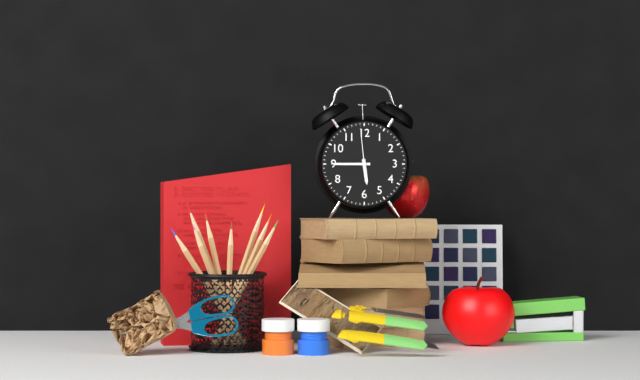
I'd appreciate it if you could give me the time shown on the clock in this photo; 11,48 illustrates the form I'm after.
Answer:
5,45
